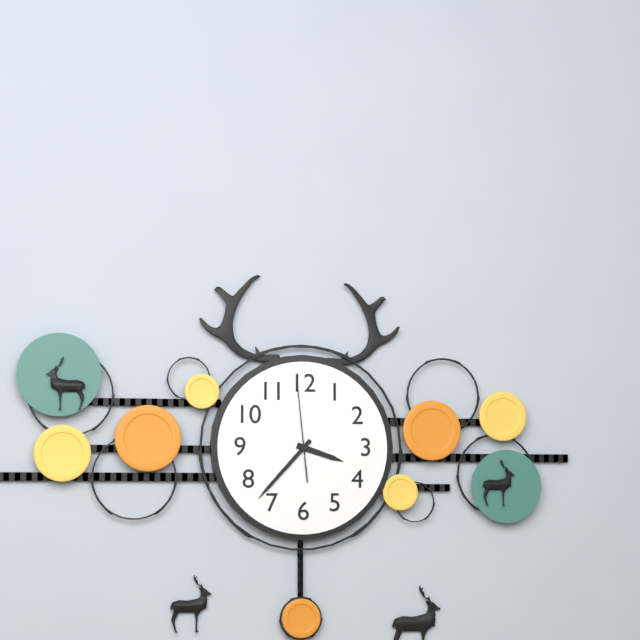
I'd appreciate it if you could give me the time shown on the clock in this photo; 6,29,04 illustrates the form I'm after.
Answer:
3,37,59
